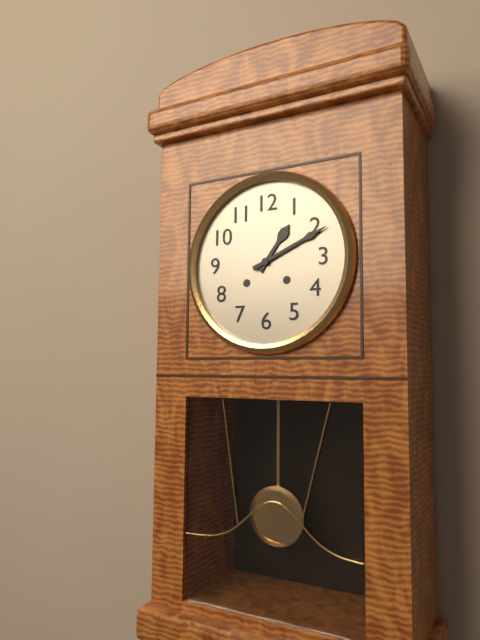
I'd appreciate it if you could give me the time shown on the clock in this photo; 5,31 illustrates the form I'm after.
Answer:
1,11
